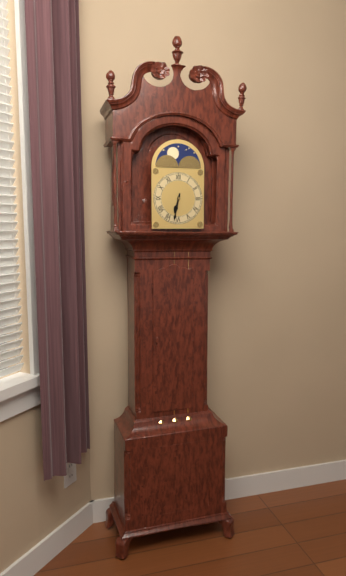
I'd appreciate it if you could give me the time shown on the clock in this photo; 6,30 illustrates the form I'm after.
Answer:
6,32
